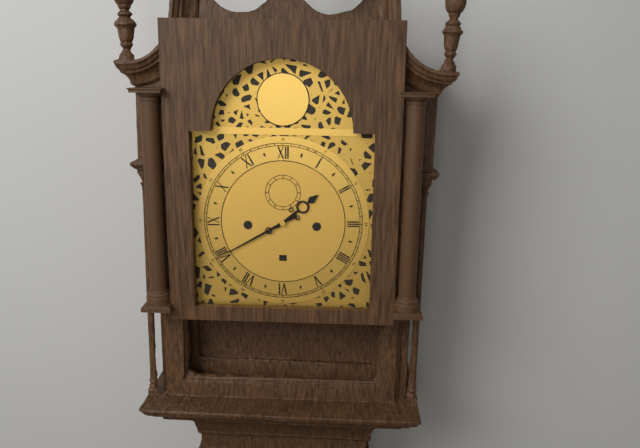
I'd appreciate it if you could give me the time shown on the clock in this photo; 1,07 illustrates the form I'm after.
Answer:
1,40
